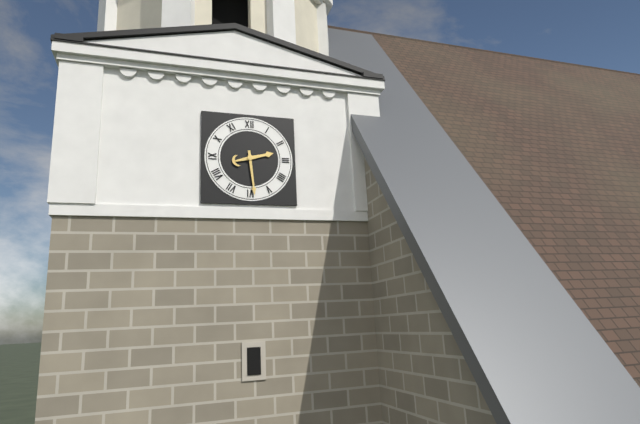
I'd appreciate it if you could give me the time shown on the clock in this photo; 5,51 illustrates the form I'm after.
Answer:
2,29
